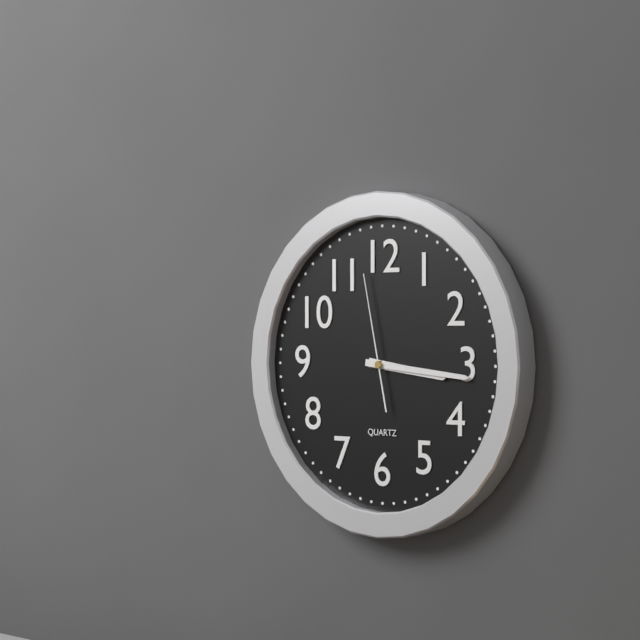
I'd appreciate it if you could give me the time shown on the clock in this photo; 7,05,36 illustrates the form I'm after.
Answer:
3,16,58
